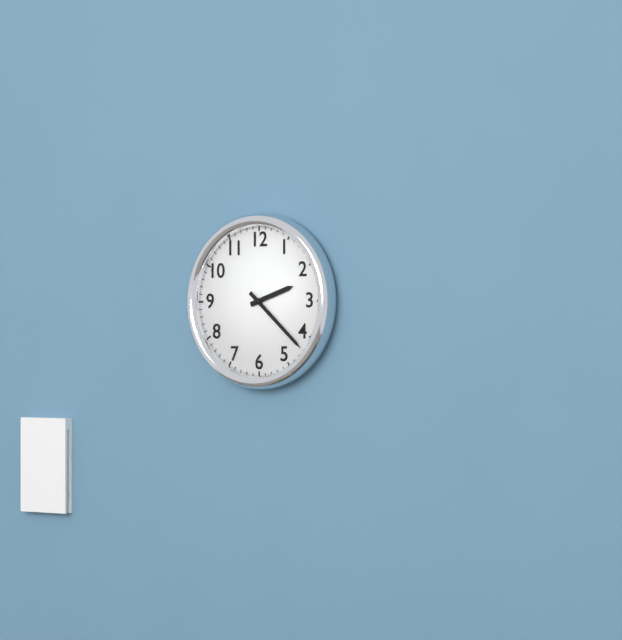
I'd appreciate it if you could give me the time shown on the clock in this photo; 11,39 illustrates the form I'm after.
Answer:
2,22
